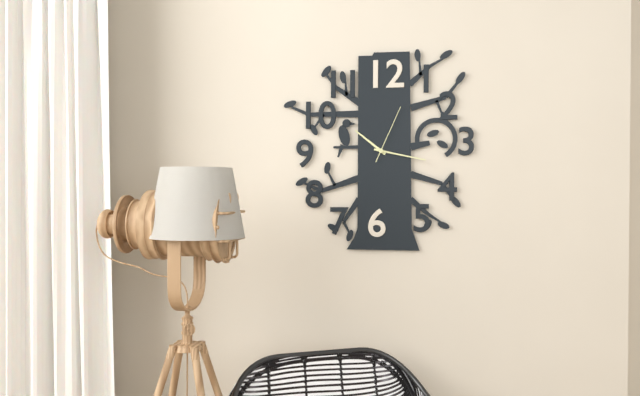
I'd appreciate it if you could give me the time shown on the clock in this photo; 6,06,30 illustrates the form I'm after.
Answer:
10,17,04
